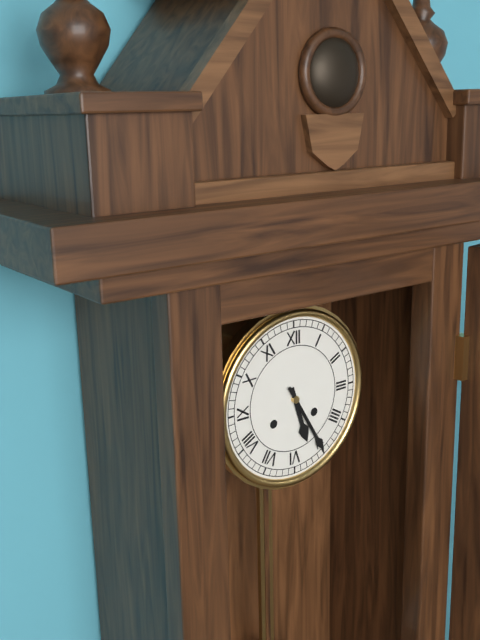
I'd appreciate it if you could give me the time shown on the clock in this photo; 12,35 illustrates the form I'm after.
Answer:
5,25
